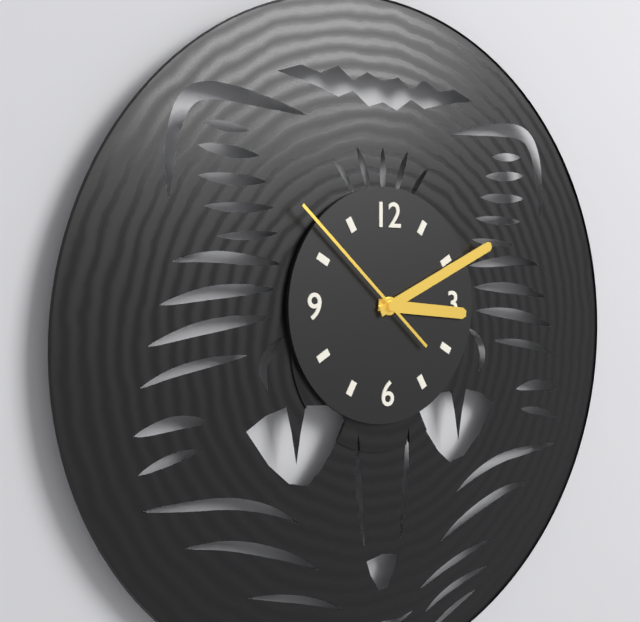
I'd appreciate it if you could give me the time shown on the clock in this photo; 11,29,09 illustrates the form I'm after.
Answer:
3,11,52
